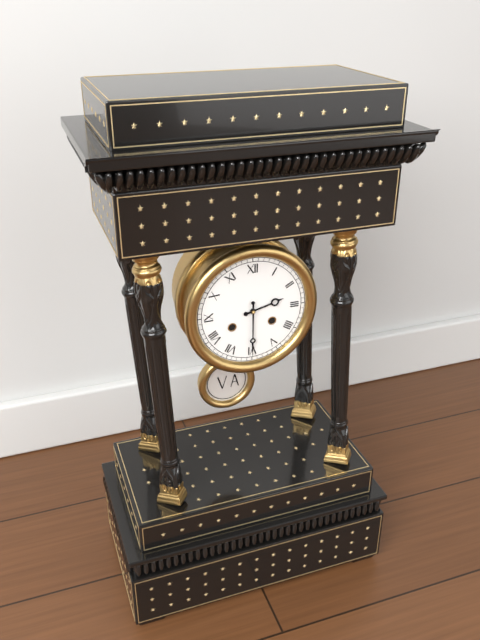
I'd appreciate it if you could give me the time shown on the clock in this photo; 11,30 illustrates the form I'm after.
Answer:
2,30
